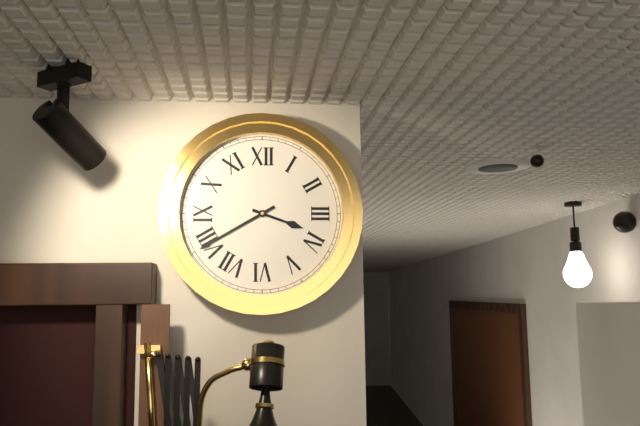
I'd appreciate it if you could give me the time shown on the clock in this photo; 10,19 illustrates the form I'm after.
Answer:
3,40
